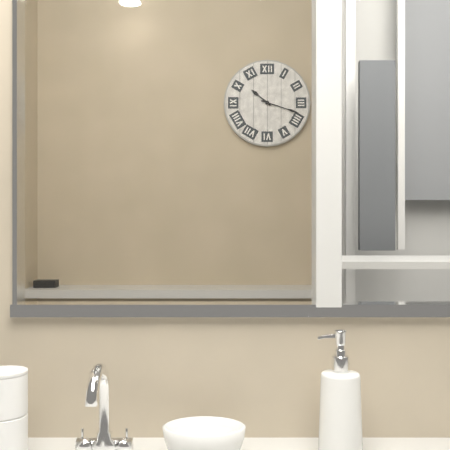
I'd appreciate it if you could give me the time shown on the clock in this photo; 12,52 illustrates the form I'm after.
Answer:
10,18
